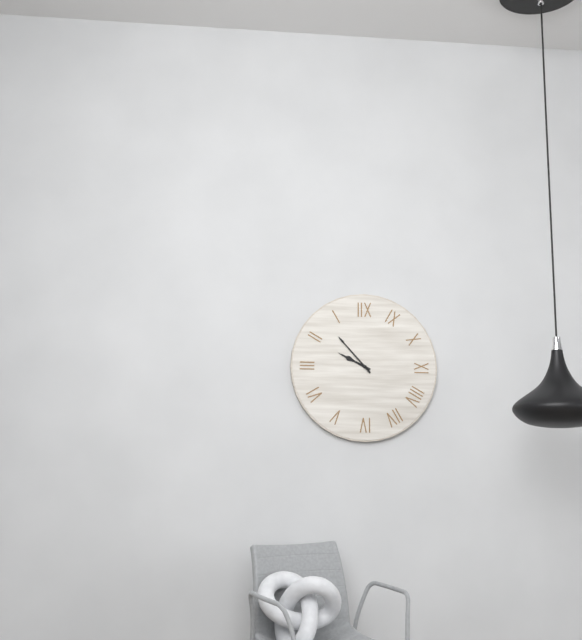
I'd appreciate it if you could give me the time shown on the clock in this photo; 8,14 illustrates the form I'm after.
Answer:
9,53
